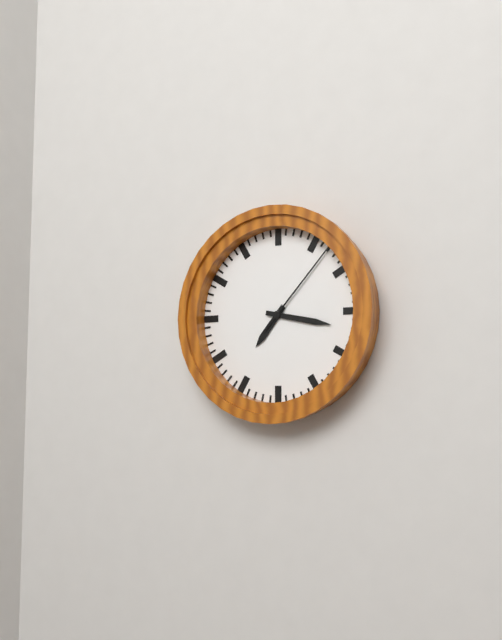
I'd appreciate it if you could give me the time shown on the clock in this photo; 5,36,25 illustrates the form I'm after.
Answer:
7,17,07
